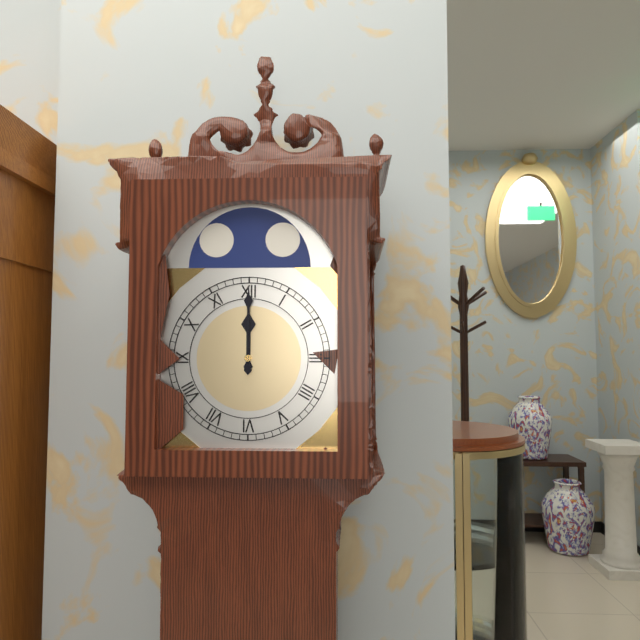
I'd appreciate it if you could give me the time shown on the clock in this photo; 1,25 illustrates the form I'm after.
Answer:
12,00
